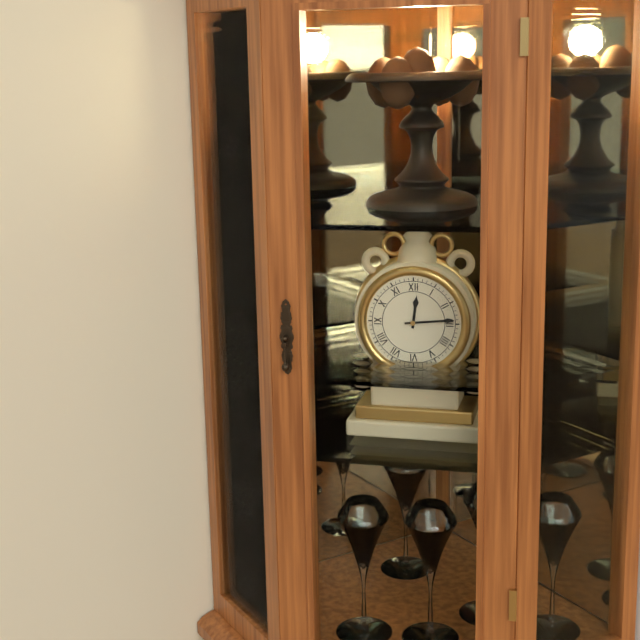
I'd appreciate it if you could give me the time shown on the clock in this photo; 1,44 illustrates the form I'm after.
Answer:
12,14
